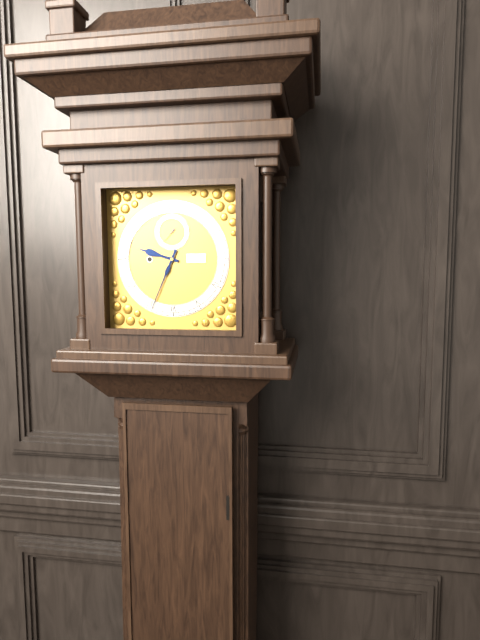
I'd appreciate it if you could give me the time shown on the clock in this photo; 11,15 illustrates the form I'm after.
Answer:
9,34
